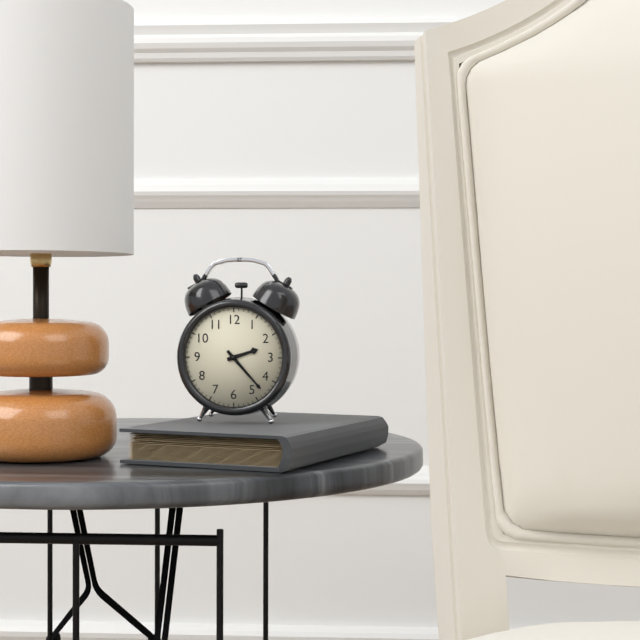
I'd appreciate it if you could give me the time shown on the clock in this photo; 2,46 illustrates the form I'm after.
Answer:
2,23
